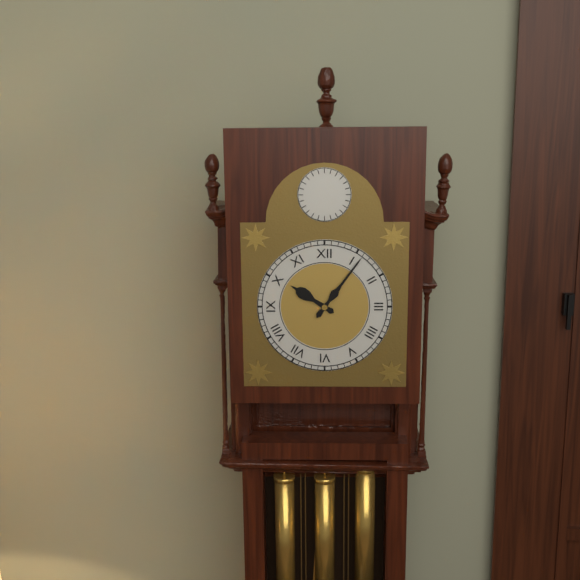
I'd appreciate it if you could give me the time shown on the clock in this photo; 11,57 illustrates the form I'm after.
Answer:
10,06
